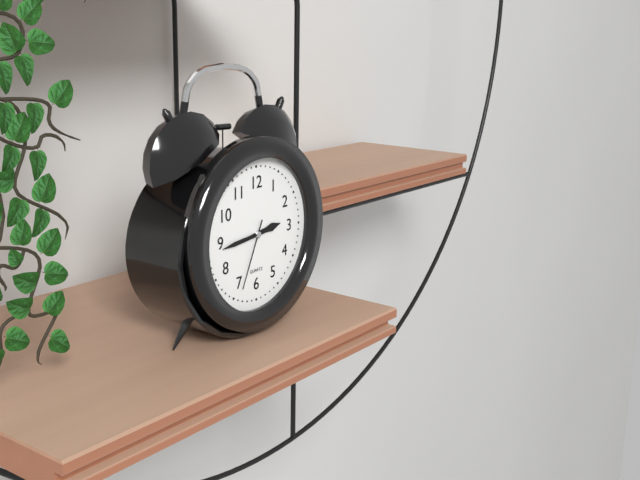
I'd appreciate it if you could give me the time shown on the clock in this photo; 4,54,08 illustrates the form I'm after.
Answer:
2,44,34
